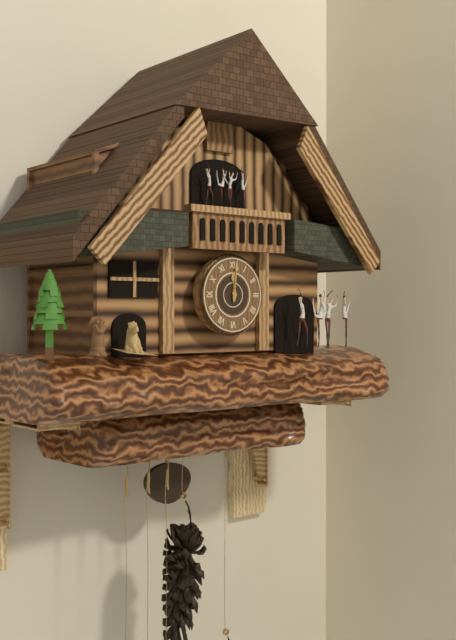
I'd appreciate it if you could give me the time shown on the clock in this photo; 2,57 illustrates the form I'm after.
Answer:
12,01
